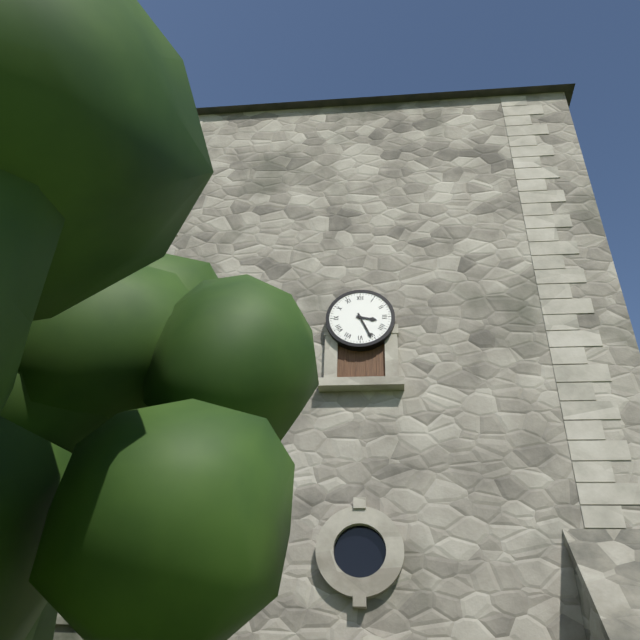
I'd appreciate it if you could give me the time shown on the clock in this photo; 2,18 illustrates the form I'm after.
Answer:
3,26
